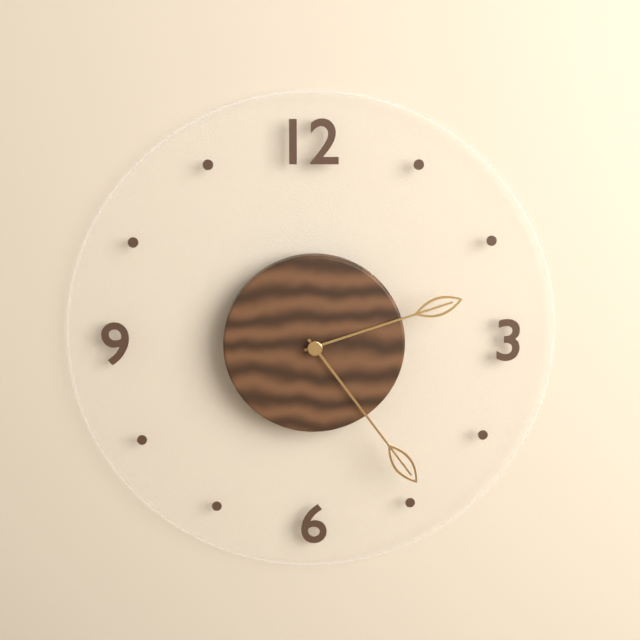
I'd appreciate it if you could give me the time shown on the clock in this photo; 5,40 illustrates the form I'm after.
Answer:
2,24
